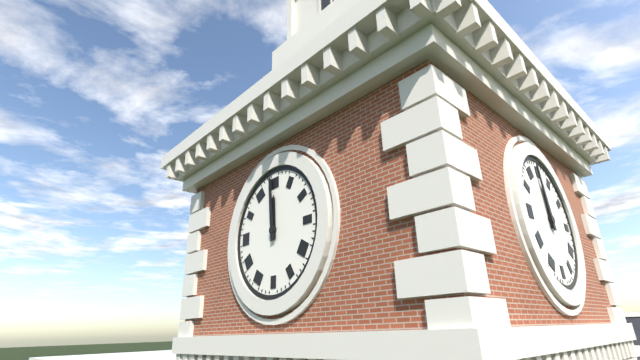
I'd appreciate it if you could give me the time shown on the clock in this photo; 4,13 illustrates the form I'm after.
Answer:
11,59
